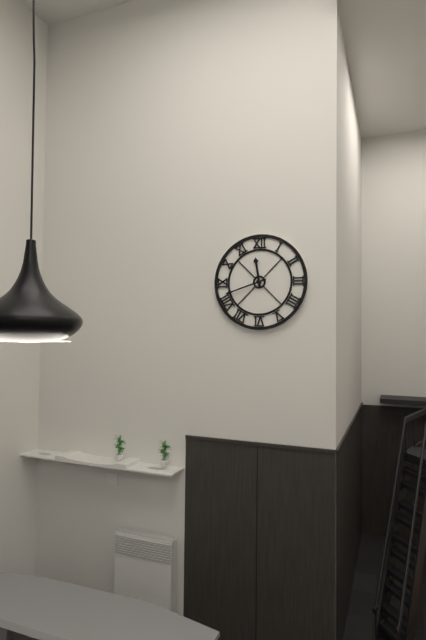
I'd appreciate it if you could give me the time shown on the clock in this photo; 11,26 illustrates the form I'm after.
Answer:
11,42
